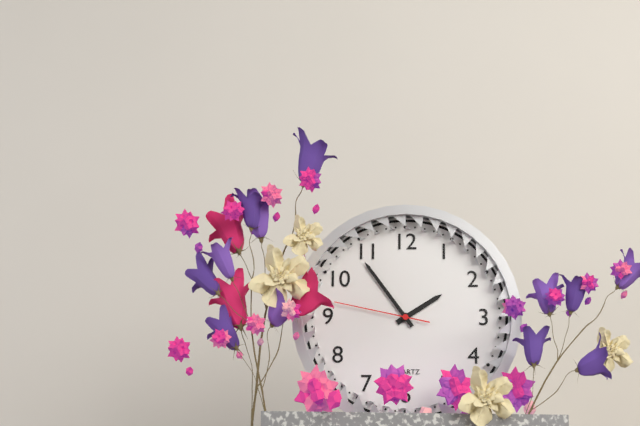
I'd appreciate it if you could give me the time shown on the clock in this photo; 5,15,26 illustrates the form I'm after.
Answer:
1,54,47
